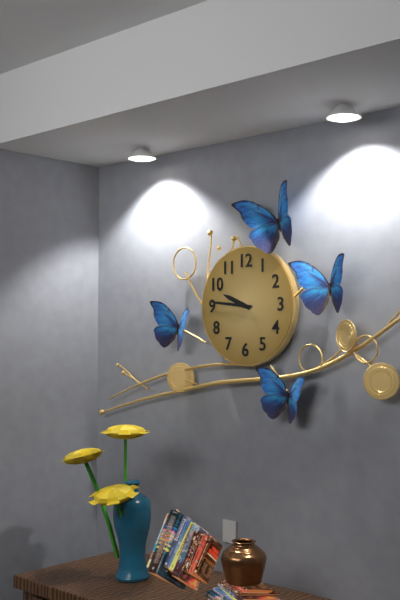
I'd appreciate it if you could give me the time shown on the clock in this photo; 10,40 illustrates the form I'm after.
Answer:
9,46
